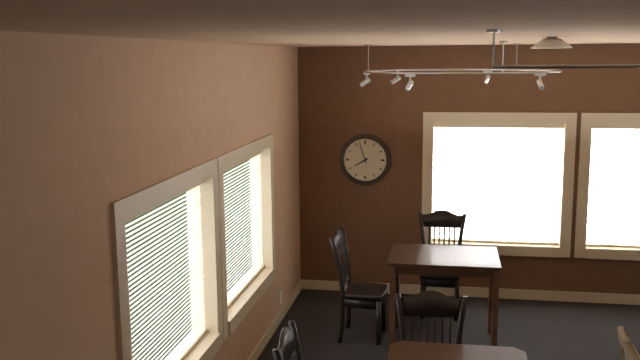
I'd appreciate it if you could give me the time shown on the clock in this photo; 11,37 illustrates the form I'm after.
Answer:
7,57
